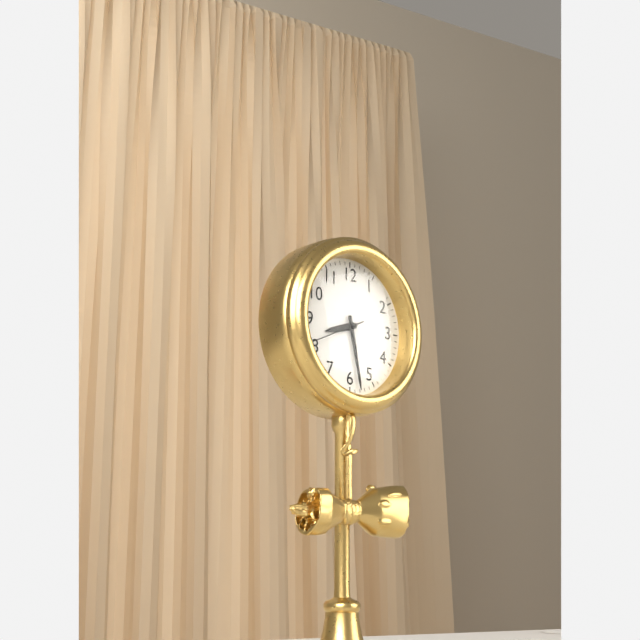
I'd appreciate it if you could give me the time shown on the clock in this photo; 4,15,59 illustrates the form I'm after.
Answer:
8,28,41
